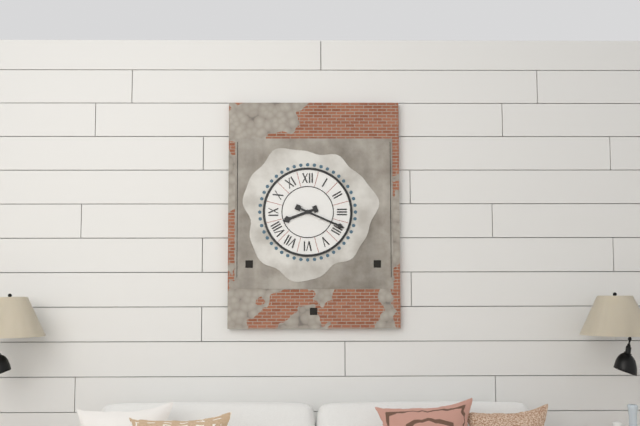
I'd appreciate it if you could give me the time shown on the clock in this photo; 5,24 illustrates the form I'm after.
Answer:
8,19
